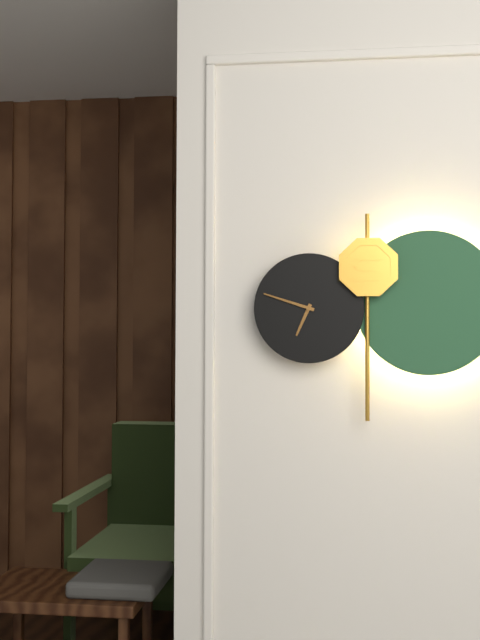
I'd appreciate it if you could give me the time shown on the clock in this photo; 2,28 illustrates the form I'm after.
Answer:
6,48
